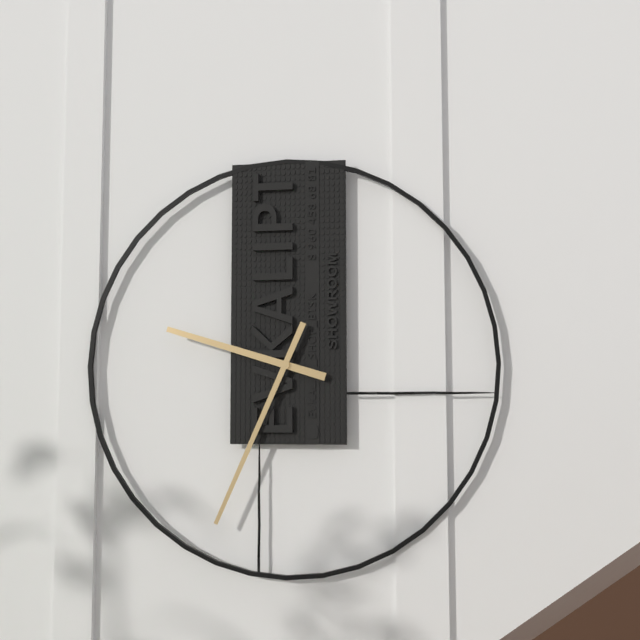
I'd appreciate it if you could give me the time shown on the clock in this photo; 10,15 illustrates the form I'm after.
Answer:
9,34
